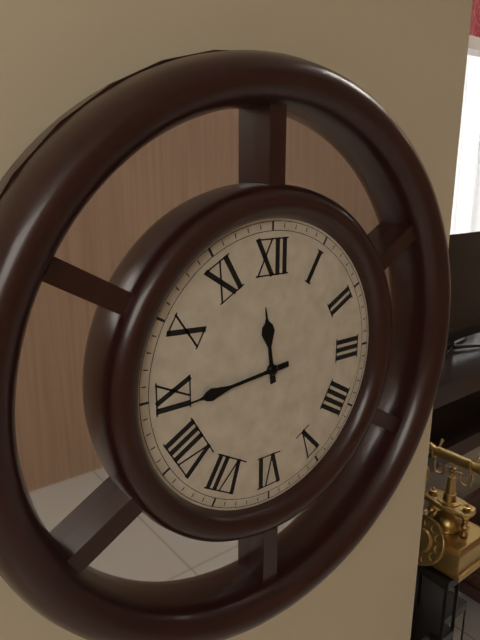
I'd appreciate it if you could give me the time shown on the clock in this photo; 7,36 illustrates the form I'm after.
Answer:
11,44
